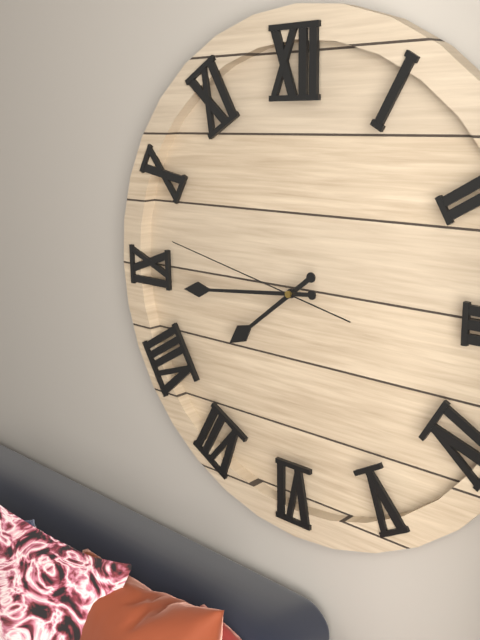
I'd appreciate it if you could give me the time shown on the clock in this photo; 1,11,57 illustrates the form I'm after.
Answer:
7,44,47
